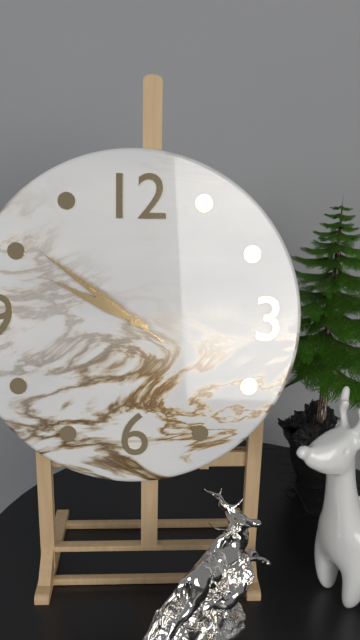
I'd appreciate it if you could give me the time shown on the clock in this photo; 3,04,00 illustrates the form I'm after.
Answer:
9,51,51
